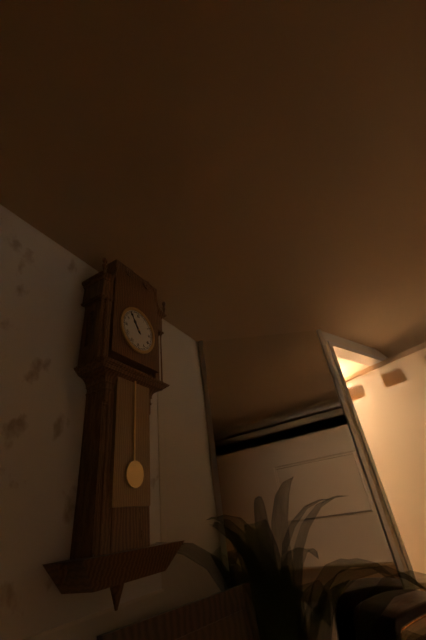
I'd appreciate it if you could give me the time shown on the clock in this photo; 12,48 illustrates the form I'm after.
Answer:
10,54
